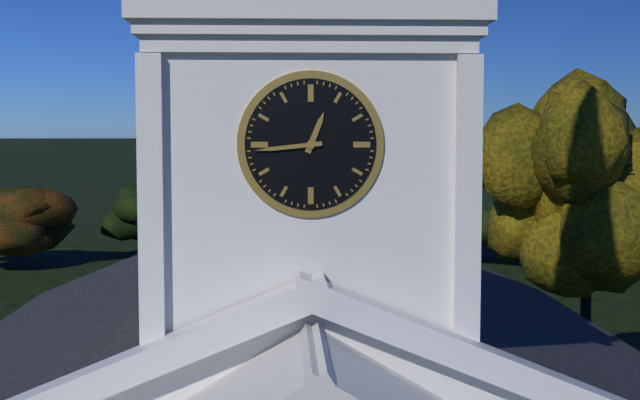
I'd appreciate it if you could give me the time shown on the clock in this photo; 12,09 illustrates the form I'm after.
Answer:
12,44
